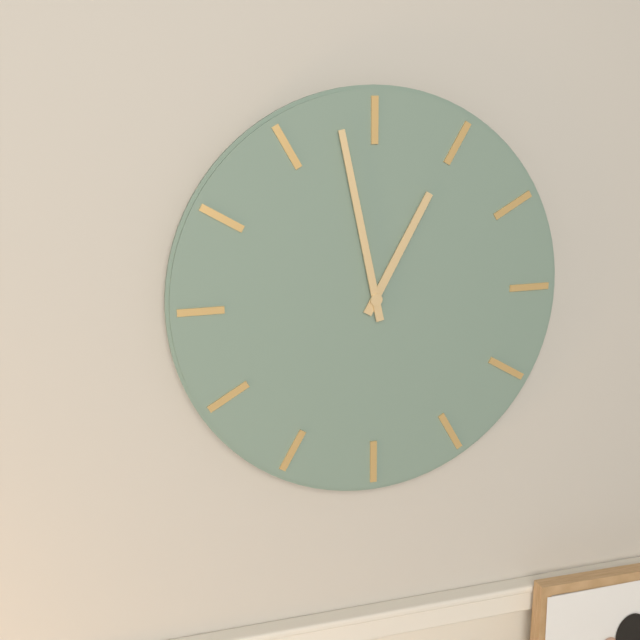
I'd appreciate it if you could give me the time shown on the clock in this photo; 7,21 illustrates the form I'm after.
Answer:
12,58
